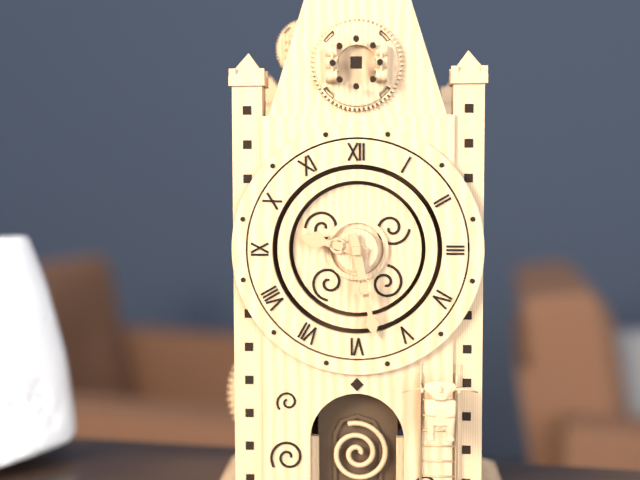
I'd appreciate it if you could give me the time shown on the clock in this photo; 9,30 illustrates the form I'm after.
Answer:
9,28
